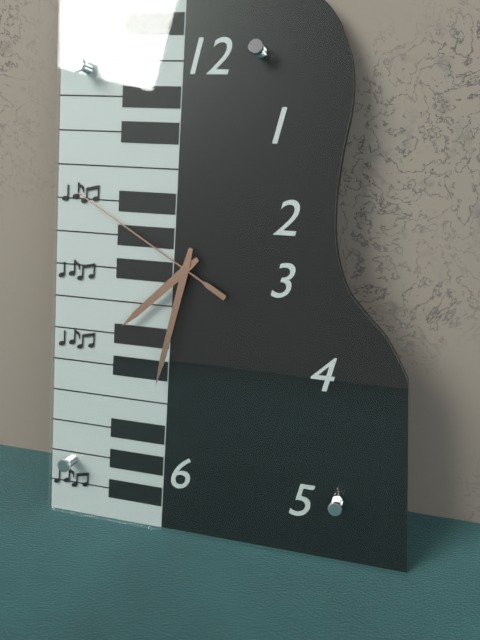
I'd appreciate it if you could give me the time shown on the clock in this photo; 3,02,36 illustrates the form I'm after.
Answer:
7,32,50
